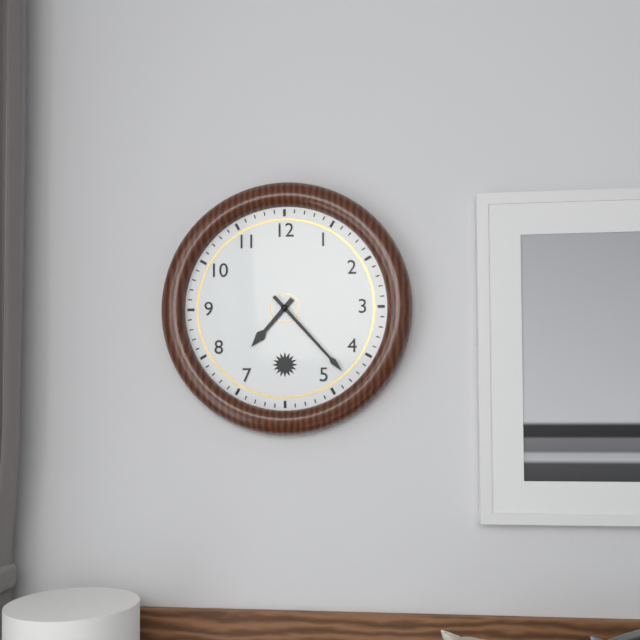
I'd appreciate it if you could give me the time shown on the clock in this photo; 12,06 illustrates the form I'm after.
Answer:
7,23
